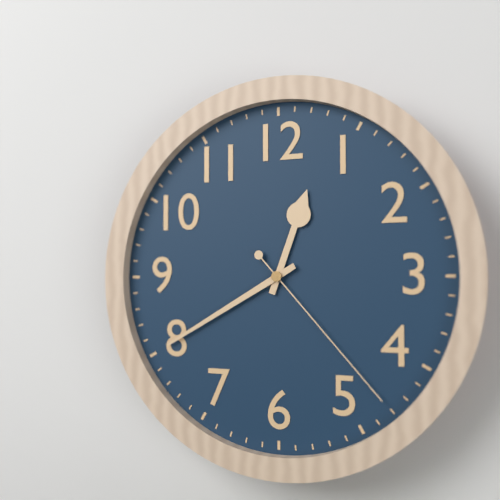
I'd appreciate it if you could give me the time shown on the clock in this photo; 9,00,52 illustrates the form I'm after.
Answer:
12,40,23
